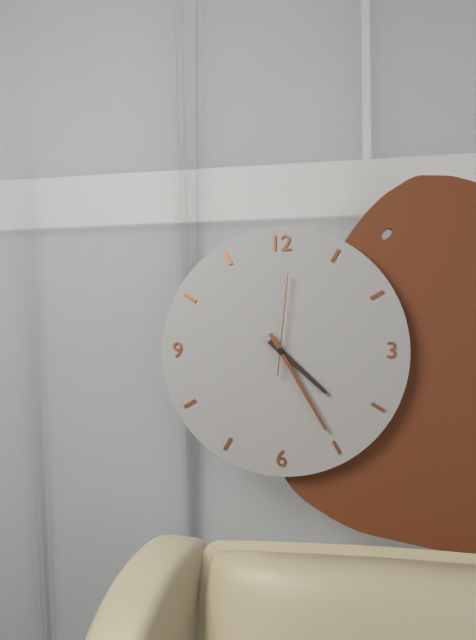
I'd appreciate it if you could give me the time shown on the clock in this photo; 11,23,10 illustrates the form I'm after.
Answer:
4,25,01
